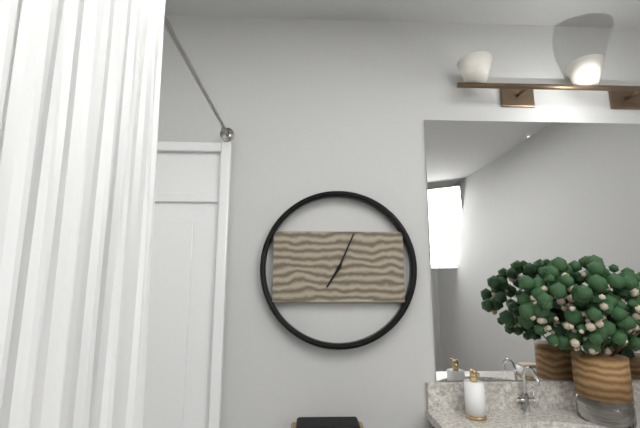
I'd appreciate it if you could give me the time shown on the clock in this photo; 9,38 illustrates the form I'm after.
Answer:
7,04
